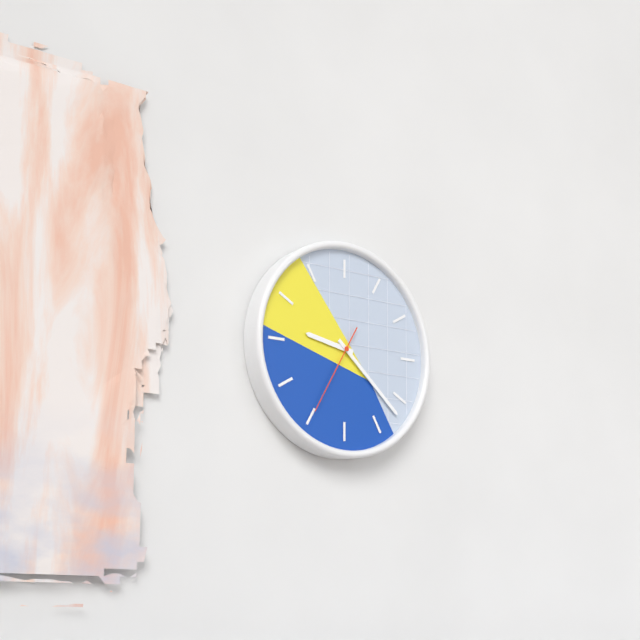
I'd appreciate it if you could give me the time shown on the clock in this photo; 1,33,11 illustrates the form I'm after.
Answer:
9,22,35
